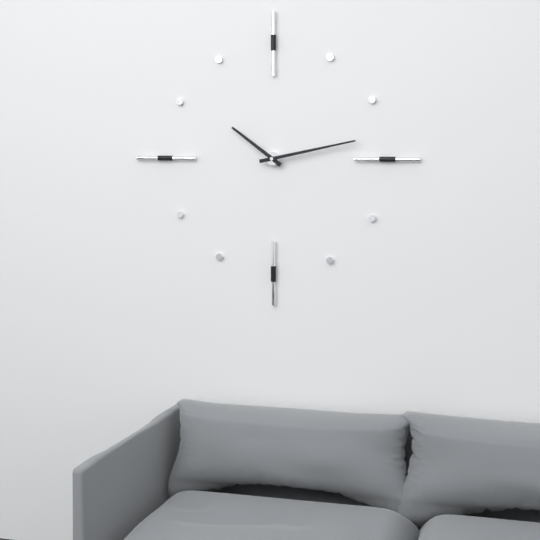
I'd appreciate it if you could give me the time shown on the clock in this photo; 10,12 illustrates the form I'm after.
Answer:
10,13
